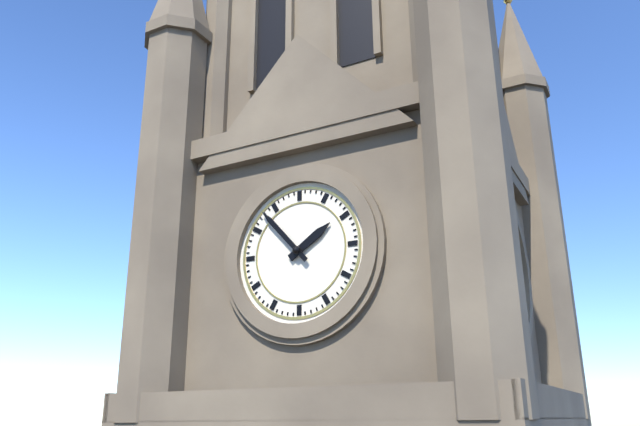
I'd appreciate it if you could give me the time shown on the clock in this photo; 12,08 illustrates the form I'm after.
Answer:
1,53
